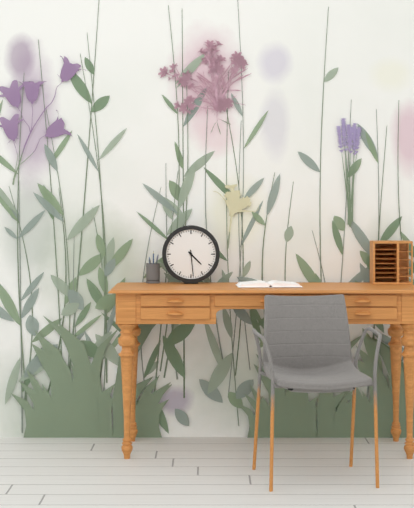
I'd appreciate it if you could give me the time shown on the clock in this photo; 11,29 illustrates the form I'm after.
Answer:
4,29
